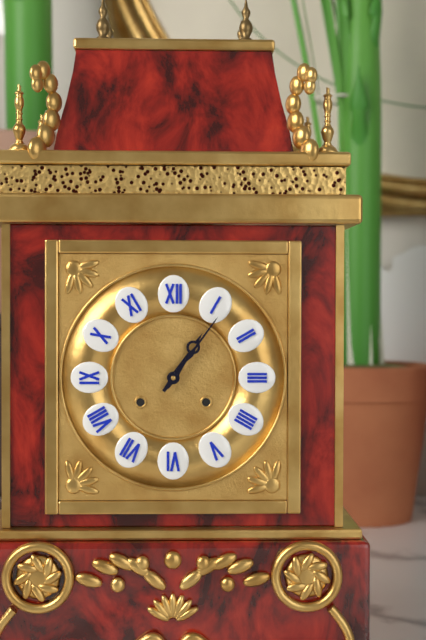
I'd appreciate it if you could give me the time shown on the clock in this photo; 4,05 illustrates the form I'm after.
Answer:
1,06
